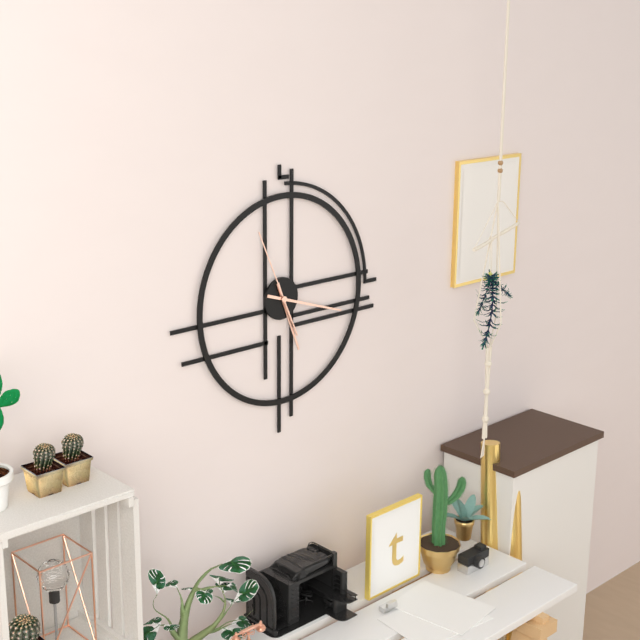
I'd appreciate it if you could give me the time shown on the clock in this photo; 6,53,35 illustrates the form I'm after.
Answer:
5,18,56
